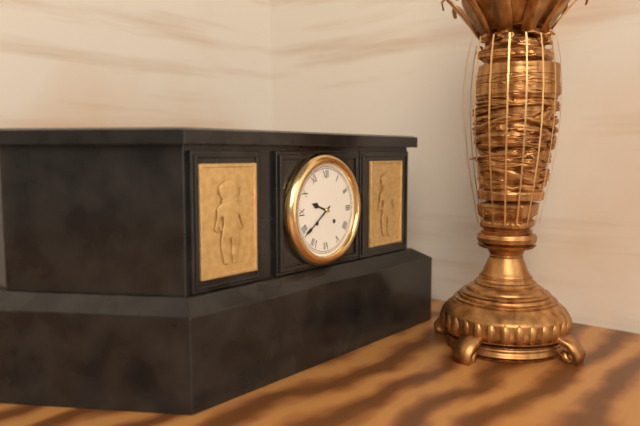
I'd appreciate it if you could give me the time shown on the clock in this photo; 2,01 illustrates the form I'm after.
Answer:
9,39
